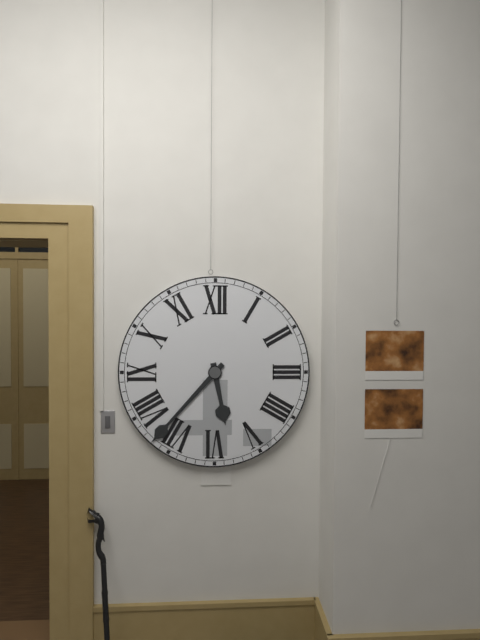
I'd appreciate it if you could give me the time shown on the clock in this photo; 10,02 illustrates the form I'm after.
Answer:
5,37
